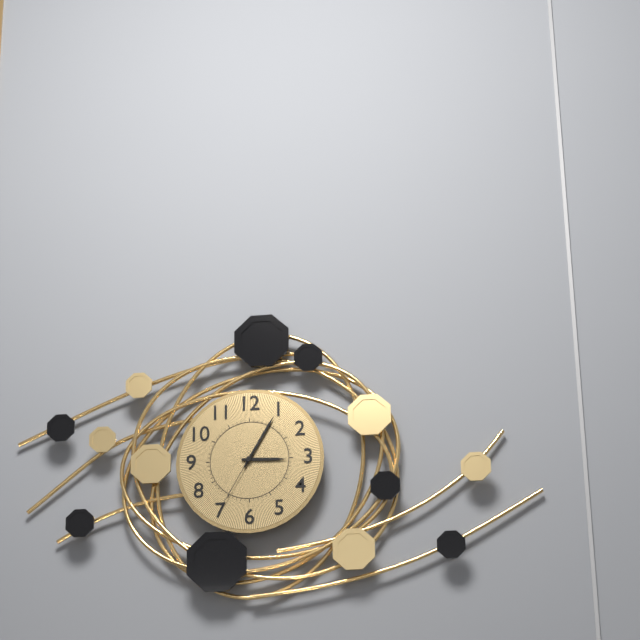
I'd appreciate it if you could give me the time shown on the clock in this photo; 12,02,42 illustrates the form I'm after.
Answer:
3,05,35
